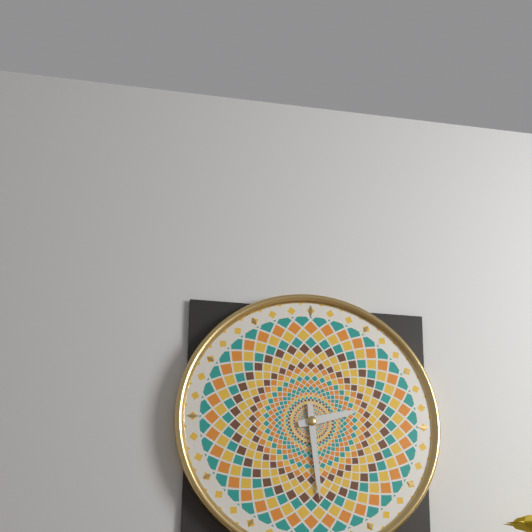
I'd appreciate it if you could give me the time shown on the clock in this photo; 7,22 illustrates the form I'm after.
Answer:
2,29
